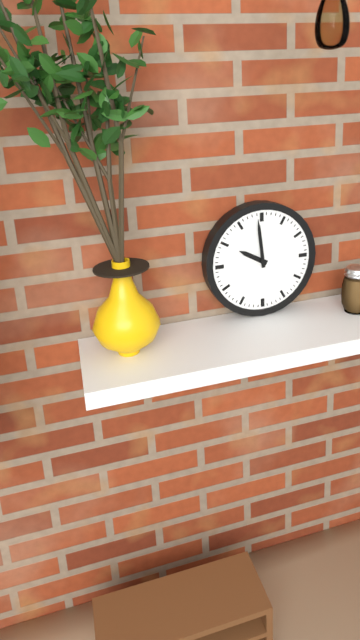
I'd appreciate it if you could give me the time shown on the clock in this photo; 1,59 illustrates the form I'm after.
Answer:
9,59
